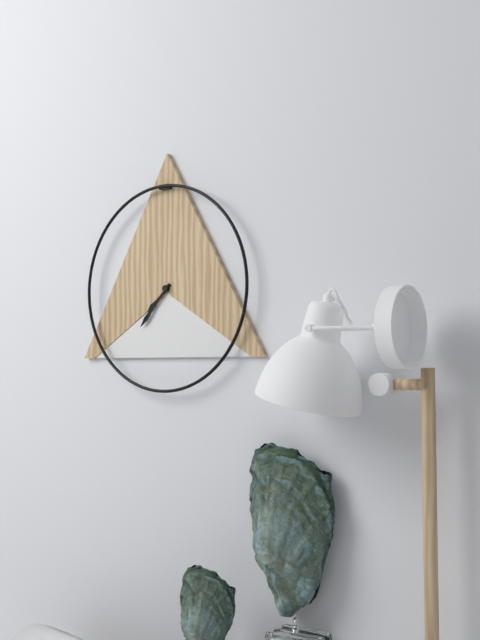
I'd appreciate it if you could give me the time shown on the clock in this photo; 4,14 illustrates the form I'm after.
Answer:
7,37
